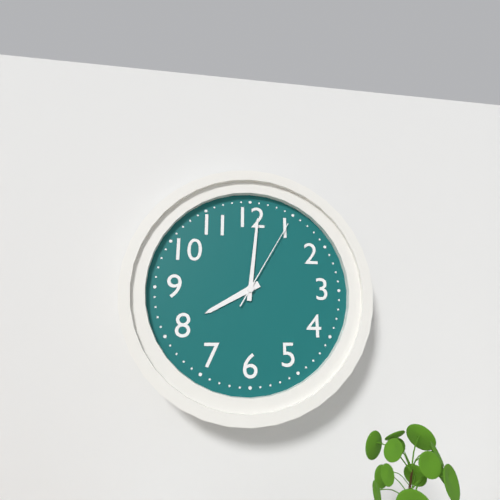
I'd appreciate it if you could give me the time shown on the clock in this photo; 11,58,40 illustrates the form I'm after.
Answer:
8,01,05
